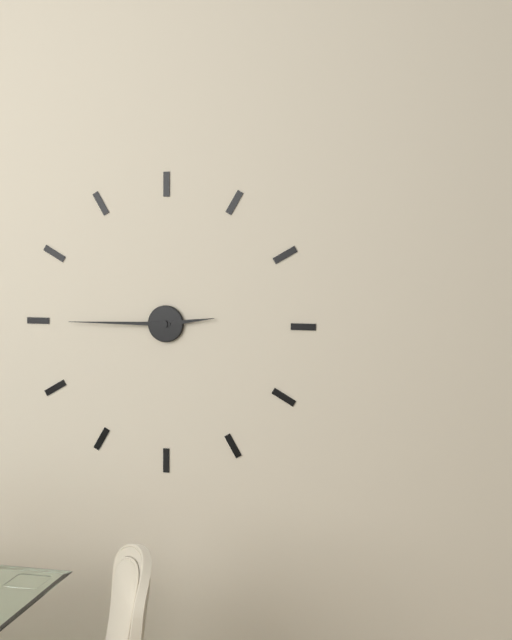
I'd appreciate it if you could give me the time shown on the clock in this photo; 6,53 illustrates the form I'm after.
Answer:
2,45
